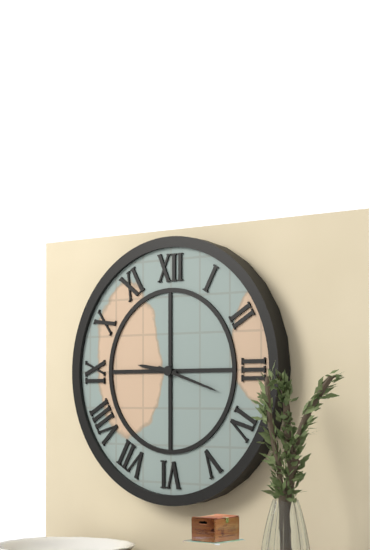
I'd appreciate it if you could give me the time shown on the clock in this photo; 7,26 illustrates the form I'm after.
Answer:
9,18
